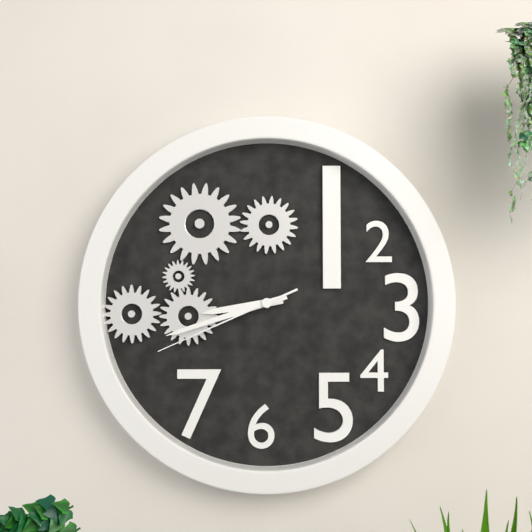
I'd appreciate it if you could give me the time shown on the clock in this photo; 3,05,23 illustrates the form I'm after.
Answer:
8,42,41
